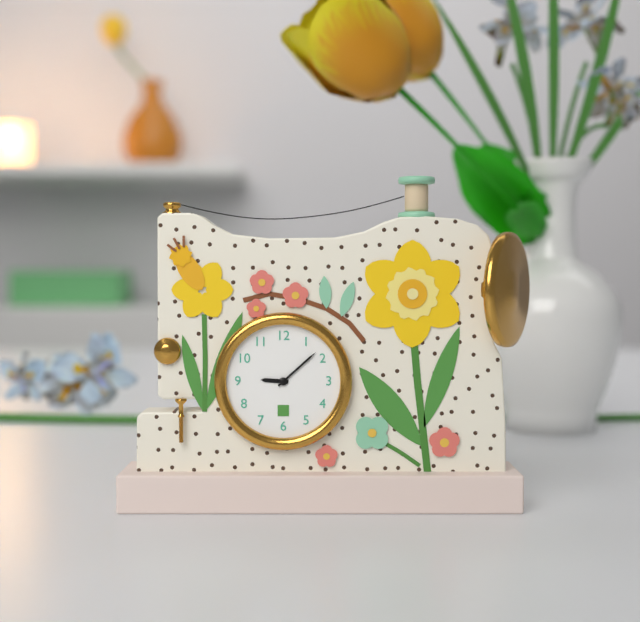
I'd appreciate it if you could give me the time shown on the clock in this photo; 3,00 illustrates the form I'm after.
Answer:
9,08
